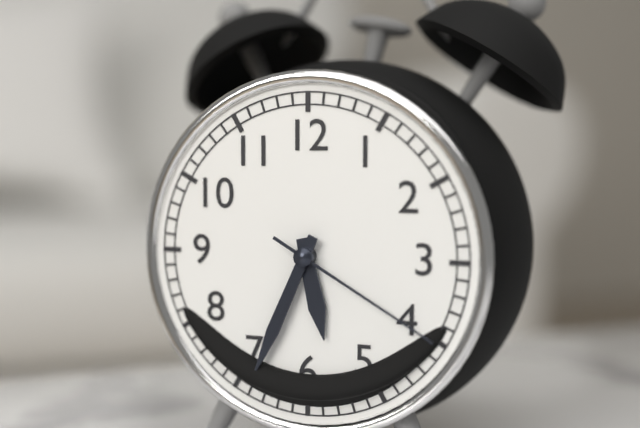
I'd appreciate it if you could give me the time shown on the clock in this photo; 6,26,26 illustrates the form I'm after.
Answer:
5,34,20
